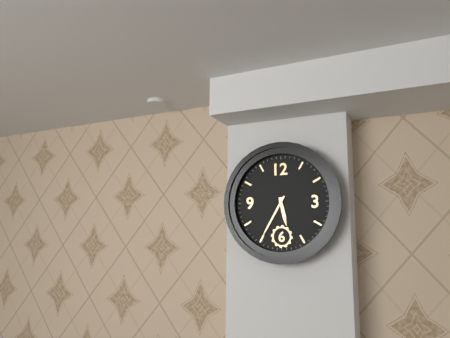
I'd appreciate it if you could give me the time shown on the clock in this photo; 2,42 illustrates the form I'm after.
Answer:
5,35
